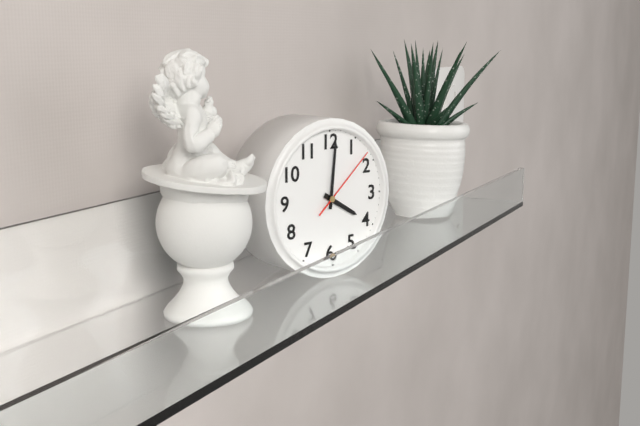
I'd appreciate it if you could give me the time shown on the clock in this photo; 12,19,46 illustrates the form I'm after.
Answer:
4,01,08
